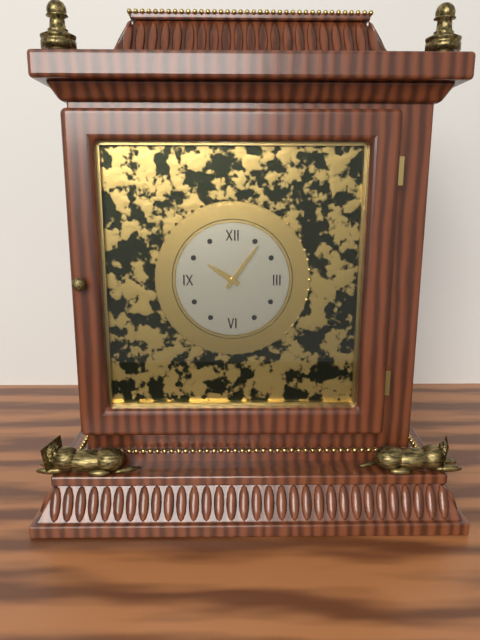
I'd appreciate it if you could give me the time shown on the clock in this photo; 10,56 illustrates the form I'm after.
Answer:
10,06
